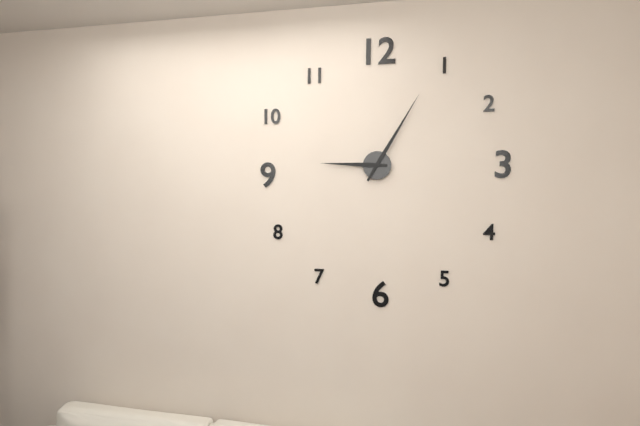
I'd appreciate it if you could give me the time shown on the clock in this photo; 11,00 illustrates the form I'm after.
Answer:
9,05
